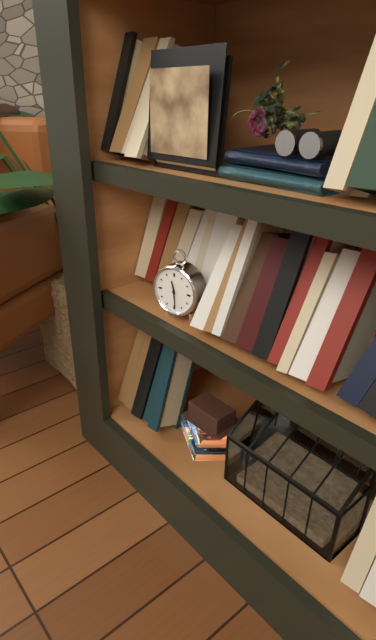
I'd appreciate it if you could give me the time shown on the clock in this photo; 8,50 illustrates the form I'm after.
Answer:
11,29
